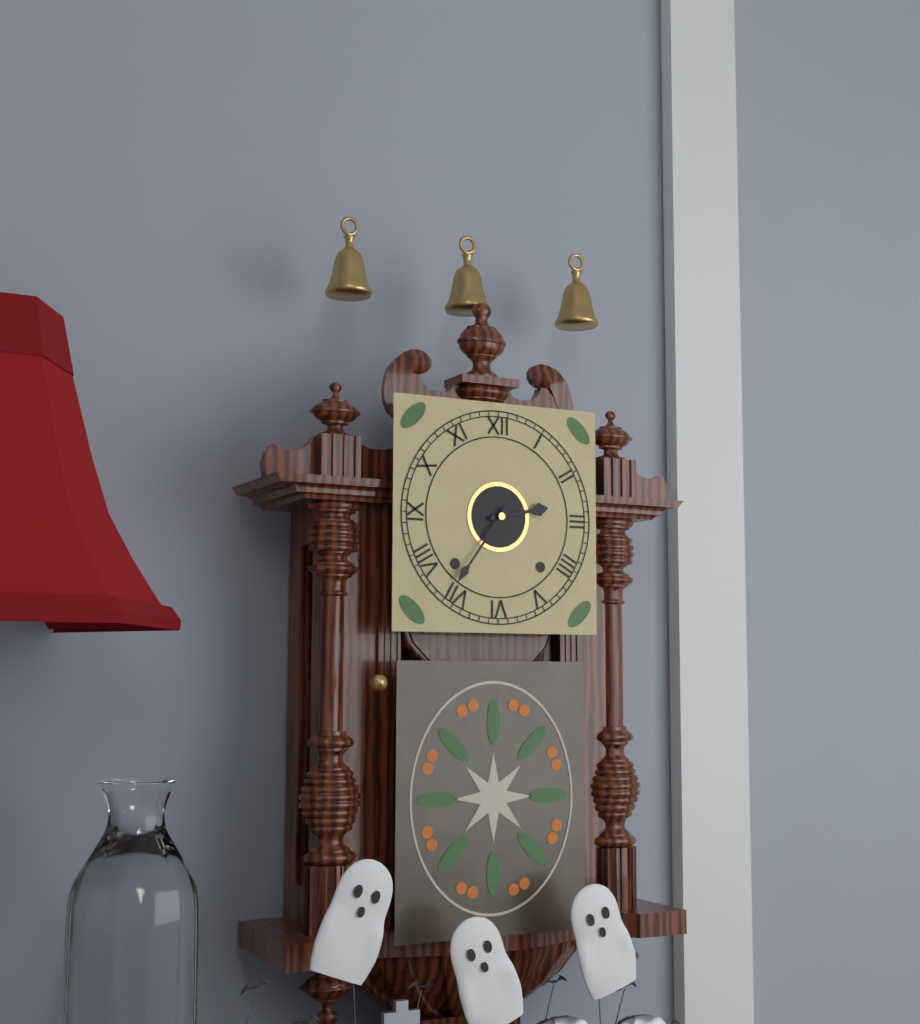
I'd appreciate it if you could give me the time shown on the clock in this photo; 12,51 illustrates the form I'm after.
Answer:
2,36
